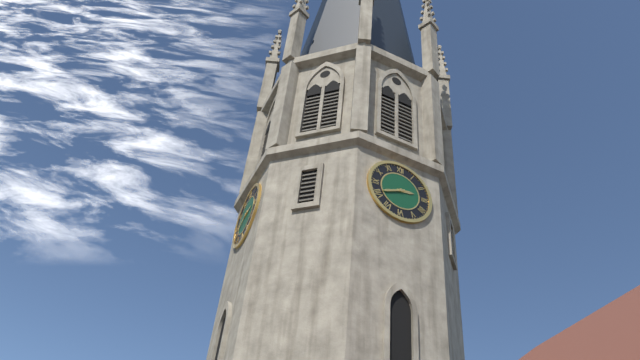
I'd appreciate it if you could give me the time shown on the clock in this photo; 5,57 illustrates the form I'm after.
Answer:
2,41
